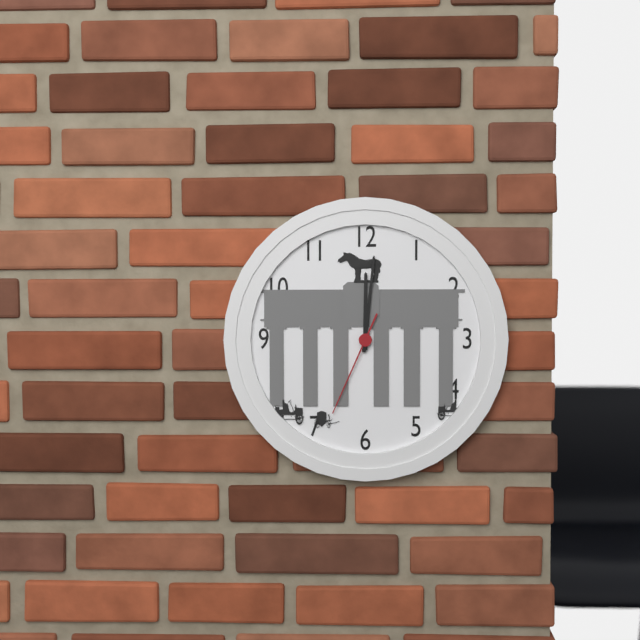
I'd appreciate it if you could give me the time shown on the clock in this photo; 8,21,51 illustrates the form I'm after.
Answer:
12,01,34
